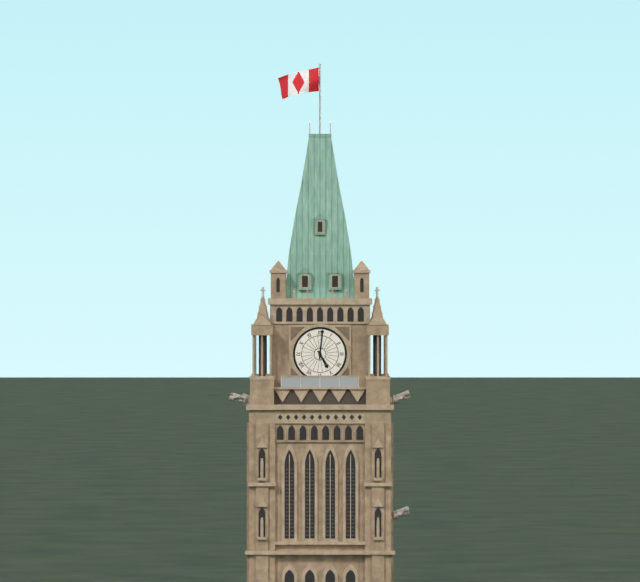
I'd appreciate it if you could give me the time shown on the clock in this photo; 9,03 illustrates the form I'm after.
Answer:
5,01
